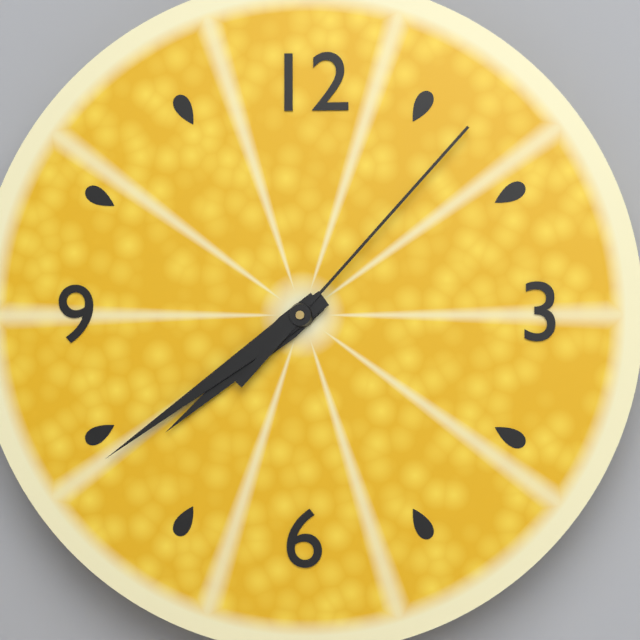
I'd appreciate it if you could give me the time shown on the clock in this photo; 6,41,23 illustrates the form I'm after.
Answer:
7,39,07
